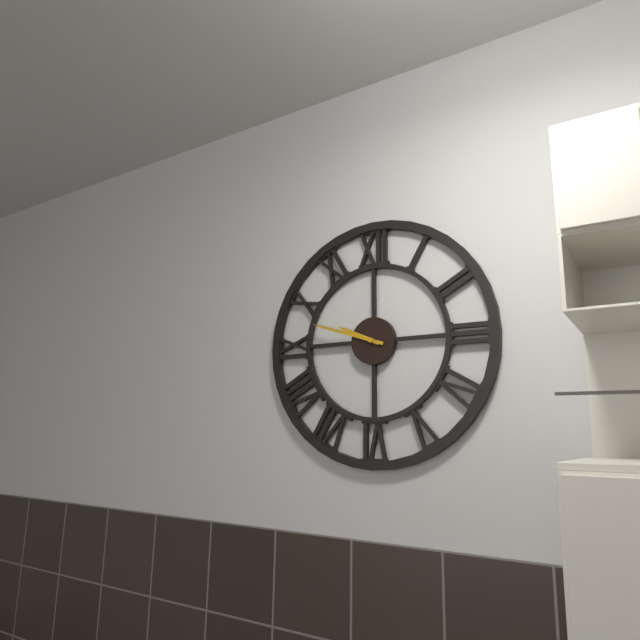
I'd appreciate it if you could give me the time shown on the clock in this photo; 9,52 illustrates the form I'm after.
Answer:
9,48
